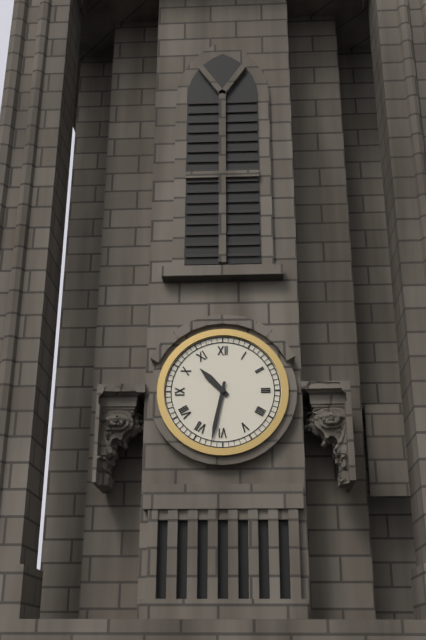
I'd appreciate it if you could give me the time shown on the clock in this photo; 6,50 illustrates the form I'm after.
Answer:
10,32
